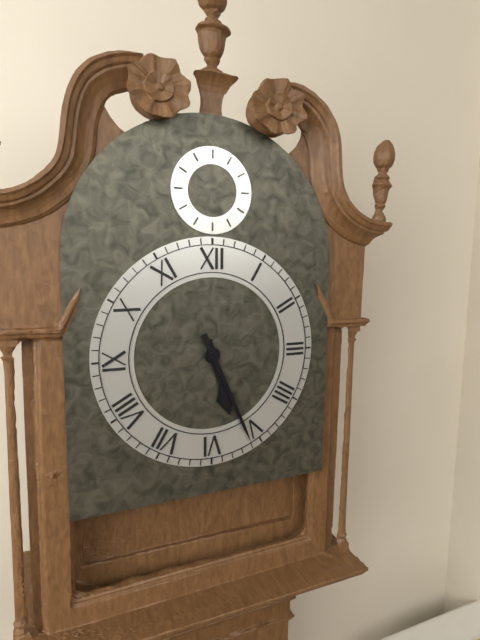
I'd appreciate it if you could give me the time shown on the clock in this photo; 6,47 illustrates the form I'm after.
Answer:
5,26
